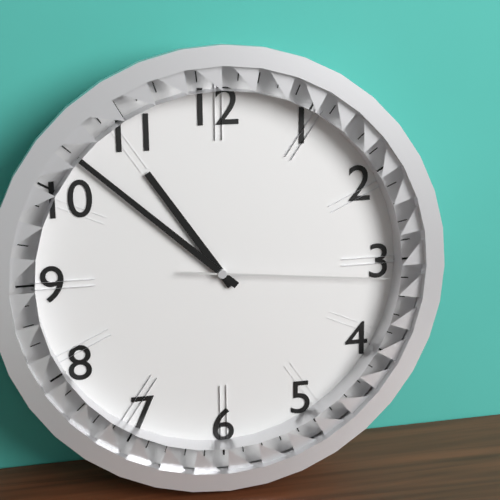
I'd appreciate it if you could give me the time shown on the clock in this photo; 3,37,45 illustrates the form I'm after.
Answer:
10,52,16
